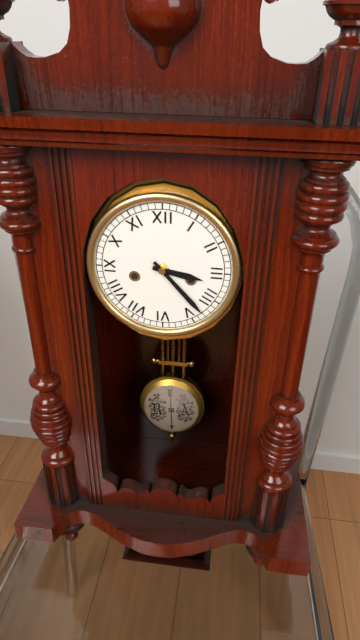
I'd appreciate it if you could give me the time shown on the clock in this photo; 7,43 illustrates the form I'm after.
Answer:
3,23
